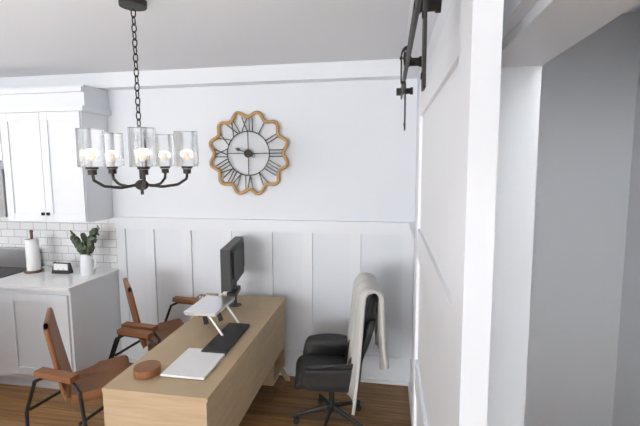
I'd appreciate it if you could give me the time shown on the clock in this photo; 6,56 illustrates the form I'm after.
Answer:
9,45
